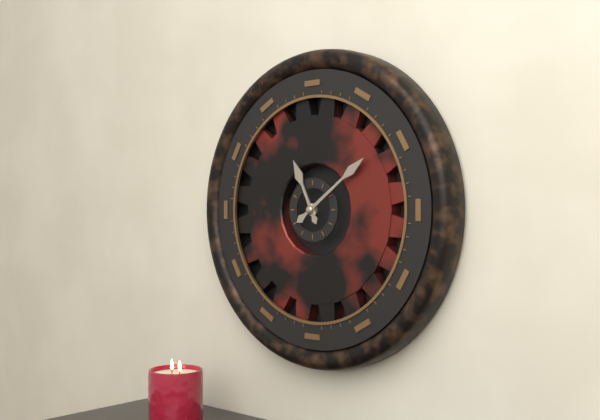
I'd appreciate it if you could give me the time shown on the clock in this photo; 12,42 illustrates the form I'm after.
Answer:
11,09
